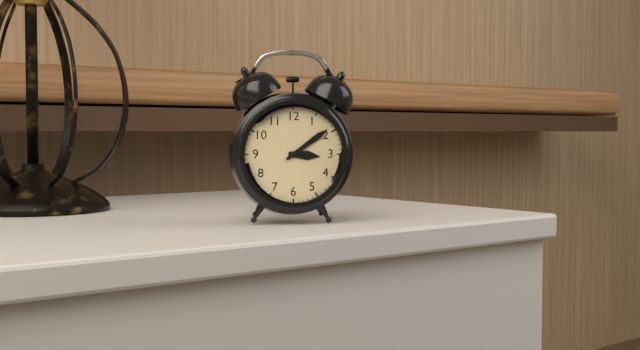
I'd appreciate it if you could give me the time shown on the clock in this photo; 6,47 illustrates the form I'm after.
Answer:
3,09
